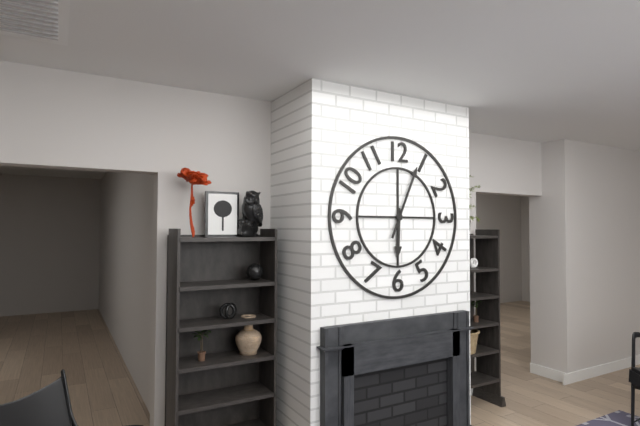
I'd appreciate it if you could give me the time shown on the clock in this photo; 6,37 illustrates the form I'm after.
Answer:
6,04
